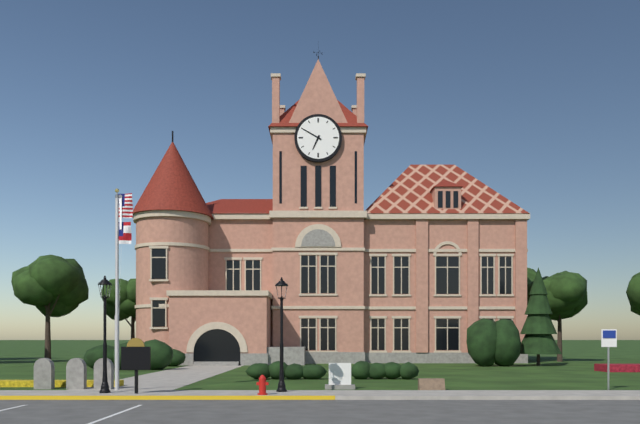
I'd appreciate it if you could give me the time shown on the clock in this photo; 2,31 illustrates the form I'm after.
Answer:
6,50
